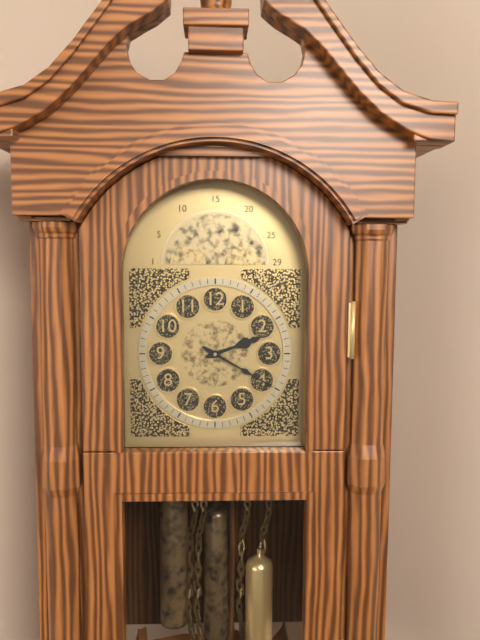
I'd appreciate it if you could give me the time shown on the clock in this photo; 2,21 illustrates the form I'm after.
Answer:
2,20
